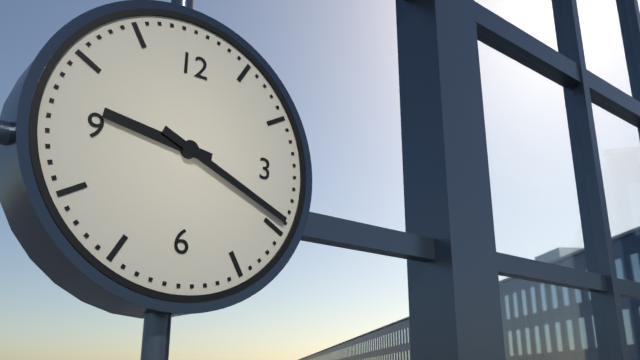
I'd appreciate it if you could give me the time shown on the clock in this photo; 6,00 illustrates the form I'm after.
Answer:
9,19
